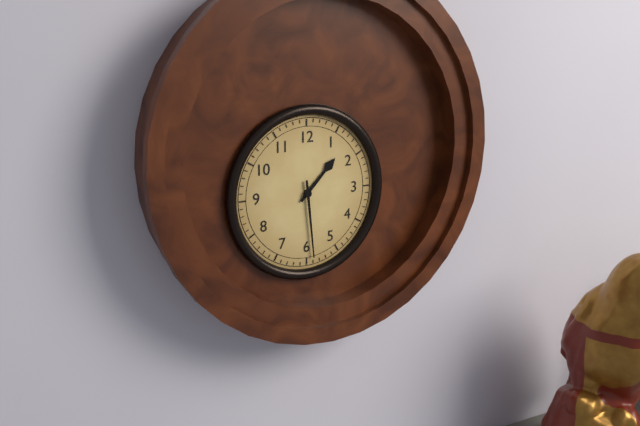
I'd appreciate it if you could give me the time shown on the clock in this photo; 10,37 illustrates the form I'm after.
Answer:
1,29
